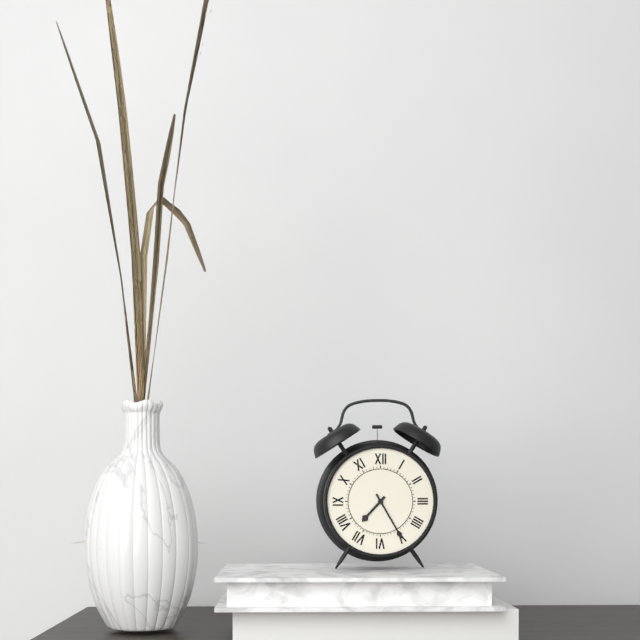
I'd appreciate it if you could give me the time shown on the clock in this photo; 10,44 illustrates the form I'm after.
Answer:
7,25
